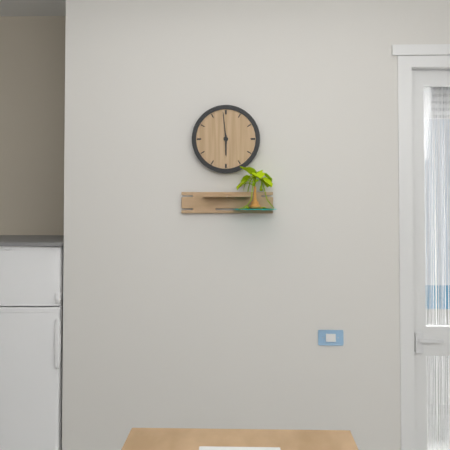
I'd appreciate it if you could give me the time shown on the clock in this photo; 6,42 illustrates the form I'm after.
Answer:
5,59
